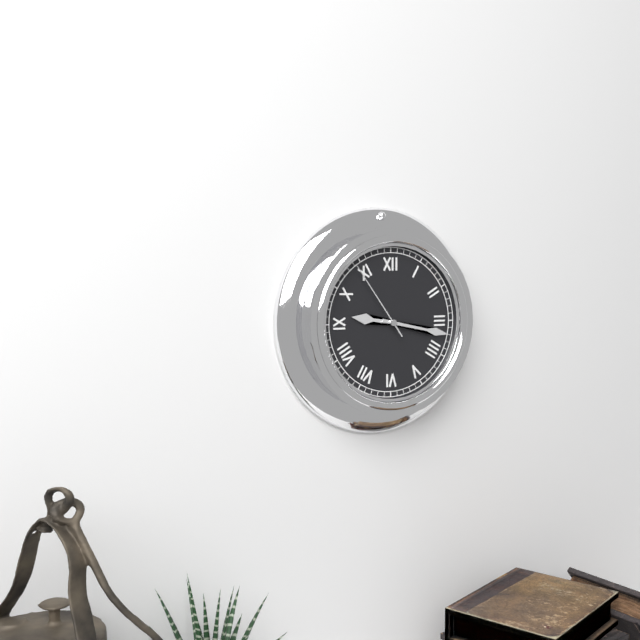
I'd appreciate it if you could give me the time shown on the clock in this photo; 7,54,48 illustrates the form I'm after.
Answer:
9,17,54
